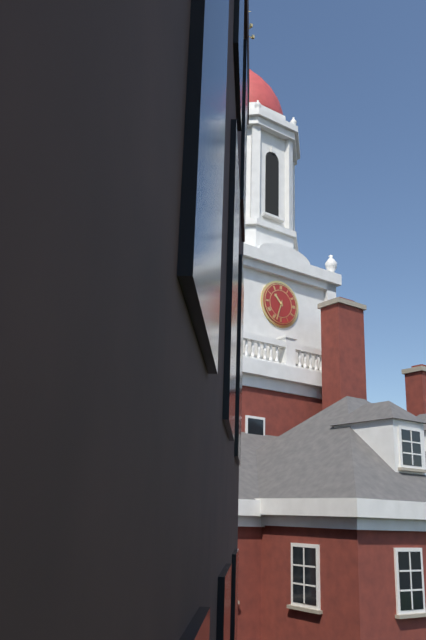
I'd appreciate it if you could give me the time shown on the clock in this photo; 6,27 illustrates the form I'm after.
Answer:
10,33
